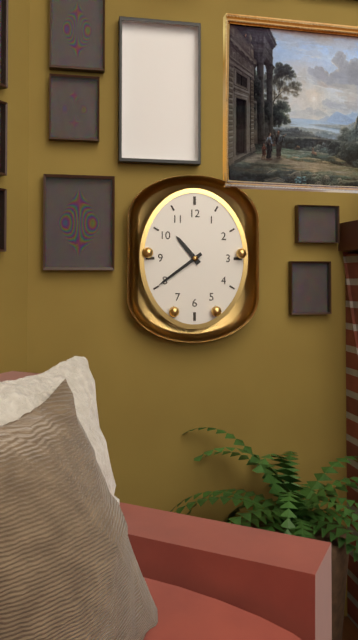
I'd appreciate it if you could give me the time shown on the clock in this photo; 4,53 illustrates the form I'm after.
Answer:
10,39
